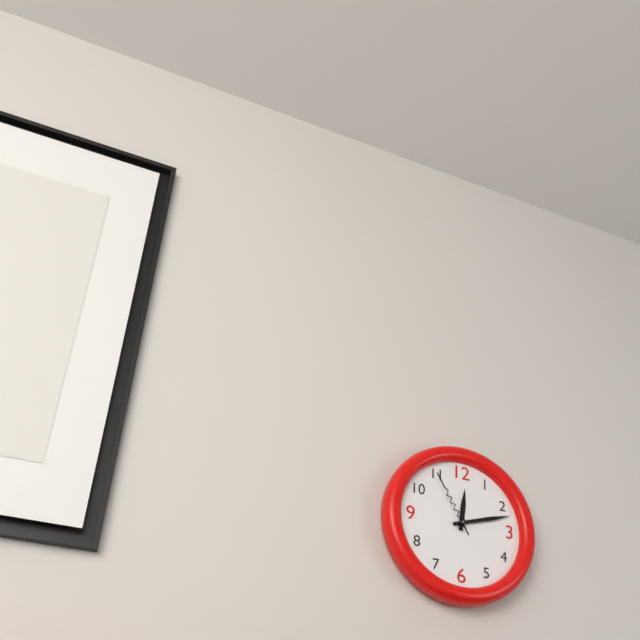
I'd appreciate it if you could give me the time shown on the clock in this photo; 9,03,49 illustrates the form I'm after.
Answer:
12,12,55
